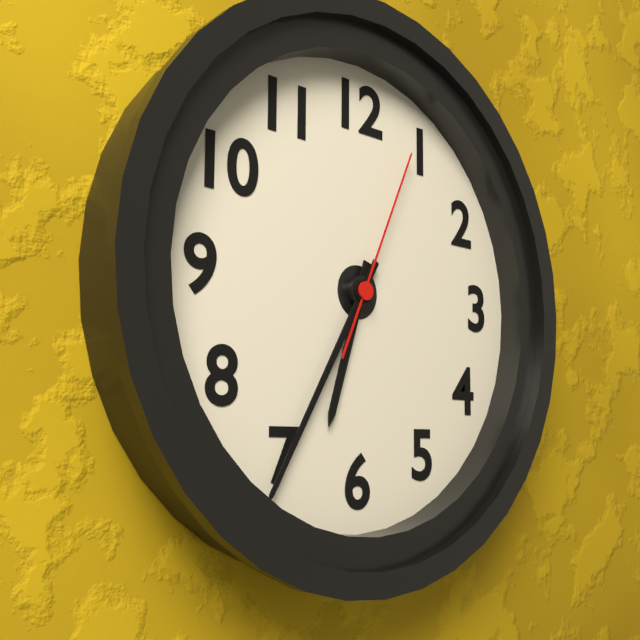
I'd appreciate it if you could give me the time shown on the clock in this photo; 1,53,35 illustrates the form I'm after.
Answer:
6,35,04
